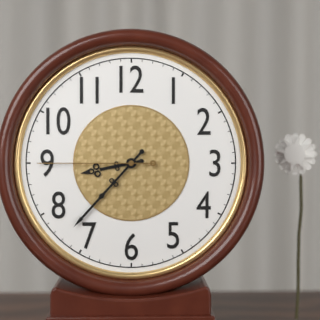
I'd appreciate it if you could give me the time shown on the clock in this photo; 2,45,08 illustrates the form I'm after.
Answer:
8,37,45
